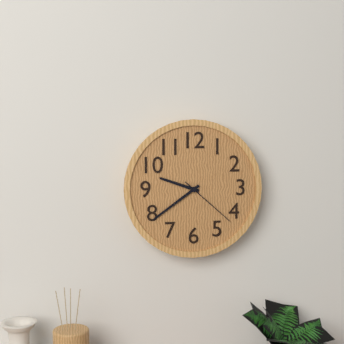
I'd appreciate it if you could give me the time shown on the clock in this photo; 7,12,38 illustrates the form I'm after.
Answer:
9,39,22
